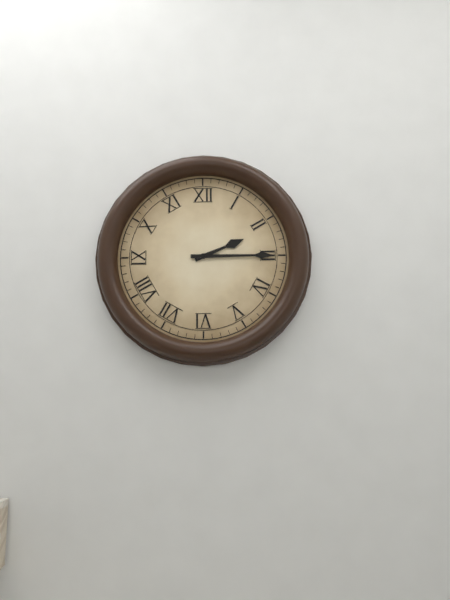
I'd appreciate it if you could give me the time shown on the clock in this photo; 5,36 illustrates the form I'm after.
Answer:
2,15
